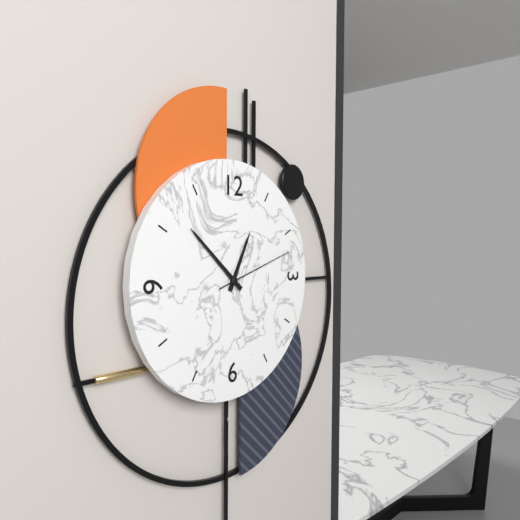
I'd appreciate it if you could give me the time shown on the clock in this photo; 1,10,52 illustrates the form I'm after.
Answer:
12,52,12
